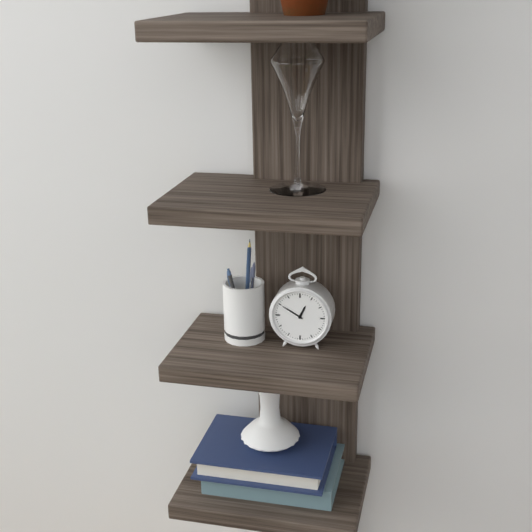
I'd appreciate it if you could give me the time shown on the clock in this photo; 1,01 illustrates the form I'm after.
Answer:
12,50
